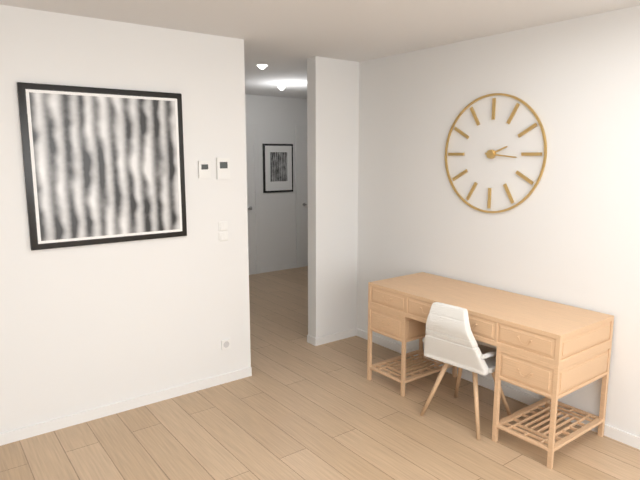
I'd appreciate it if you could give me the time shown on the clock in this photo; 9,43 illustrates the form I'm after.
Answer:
2,16
